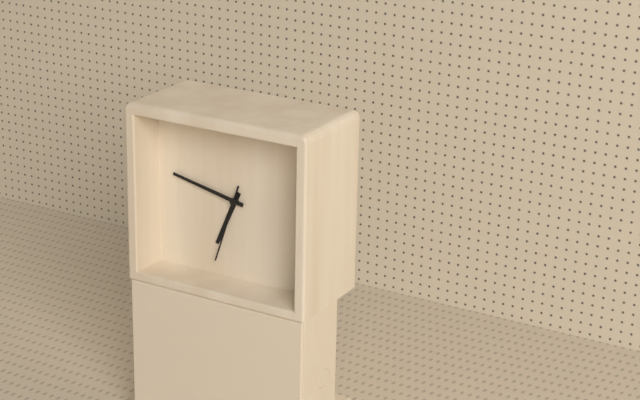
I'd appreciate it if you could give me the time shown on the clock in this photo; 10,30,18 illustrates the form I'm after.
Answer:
6,47,33
